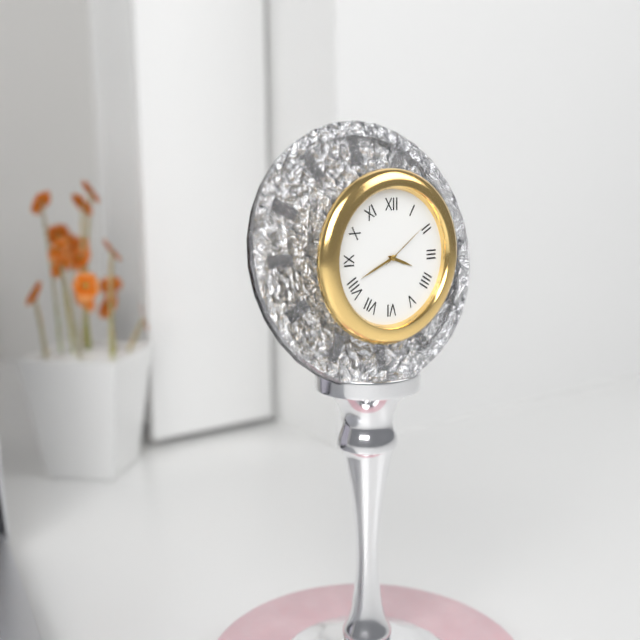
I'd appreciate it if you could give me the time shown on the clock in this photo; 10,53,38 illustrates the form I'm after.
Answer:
3,41,09
